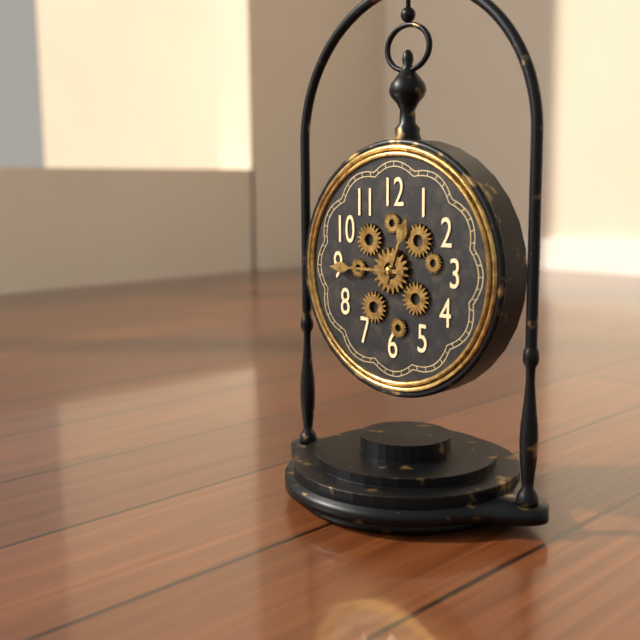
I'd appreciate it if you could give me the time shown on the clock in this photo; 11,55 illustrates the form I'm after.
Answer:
12,45
